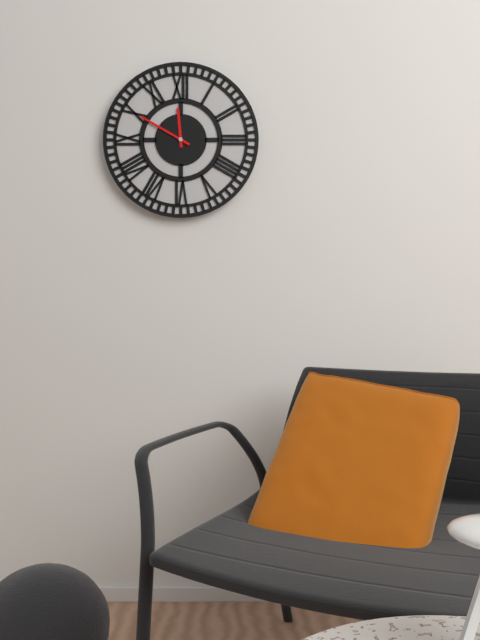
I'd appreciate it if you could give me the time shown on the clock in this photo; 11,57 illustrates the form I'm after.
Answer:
11,50
